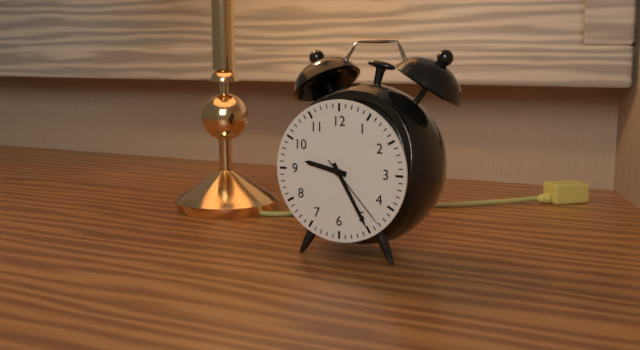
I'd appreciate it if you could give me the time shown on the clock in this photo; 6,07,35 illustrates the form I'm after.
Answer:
9,25,23
